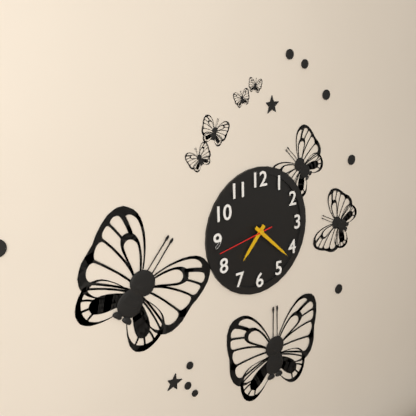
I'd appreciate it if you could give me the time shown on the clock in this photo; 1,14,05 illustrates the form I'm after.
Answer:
7,22,43
